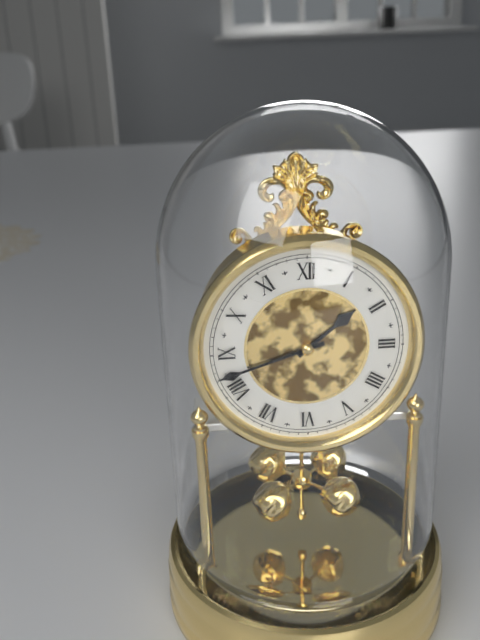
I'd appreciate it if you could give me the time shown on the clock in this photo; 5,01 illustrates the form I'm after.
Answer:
1,42
